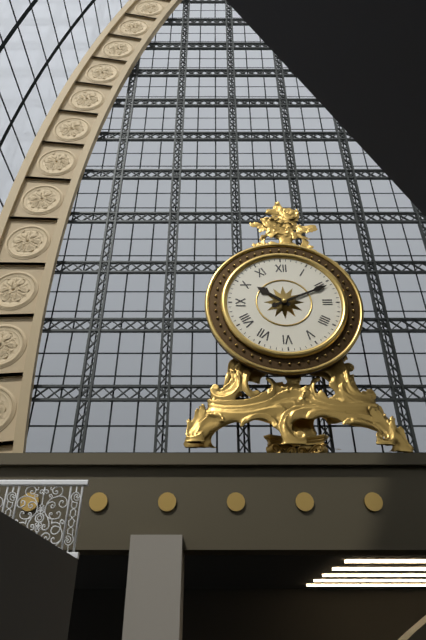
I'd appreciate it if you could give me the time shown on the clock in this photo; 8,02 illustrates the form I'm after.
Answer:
10,11
